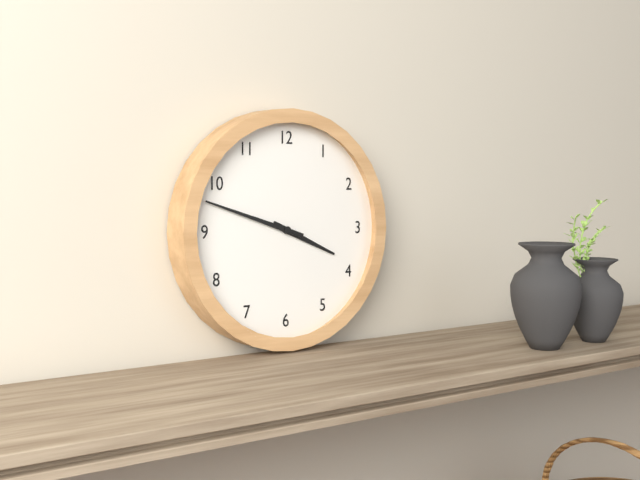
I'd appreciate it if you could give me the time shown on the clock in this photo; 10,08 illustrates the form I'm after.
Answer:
3,48
